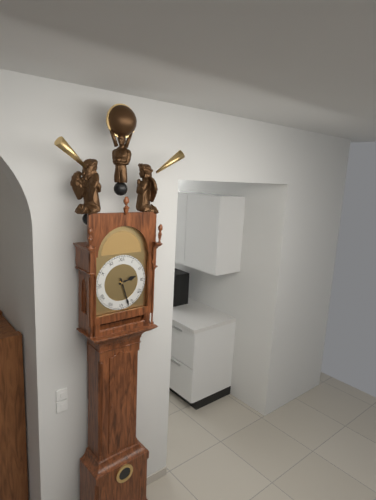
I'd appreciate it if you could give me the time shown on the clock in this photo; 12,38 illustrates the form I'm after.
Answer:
2,27
